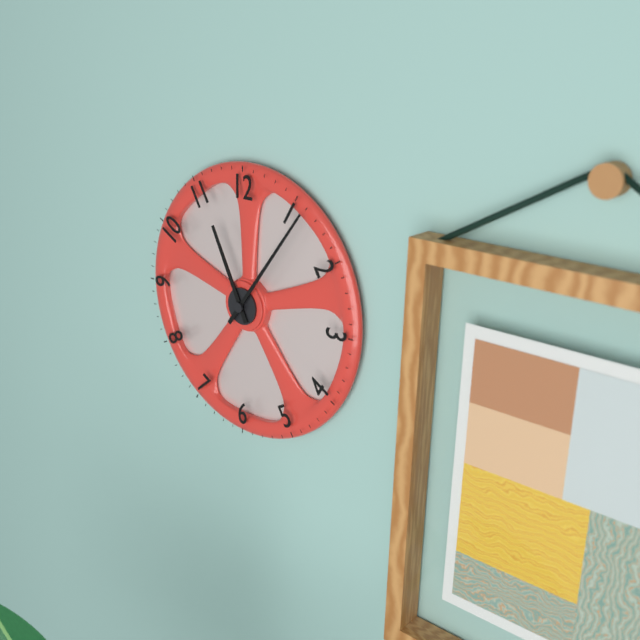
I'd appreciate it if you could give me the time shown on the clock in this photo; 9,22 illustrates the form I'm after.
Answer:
11,06
